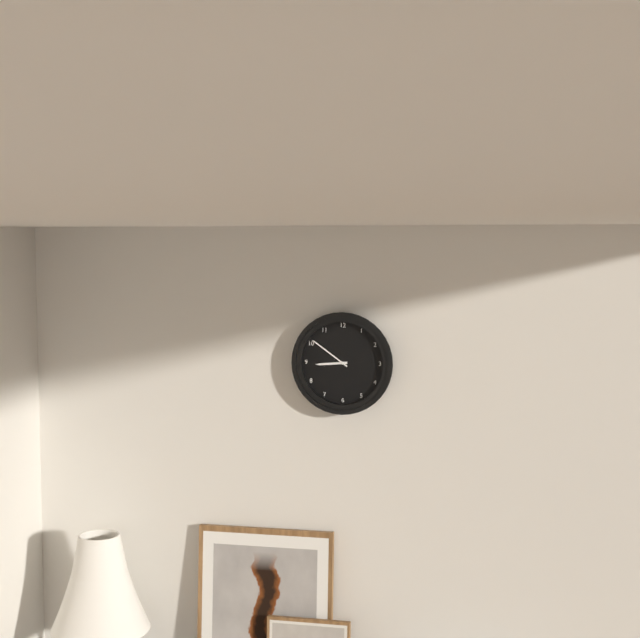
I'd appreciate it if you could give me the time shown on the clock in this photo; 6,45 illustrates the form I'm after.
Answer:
8,51
